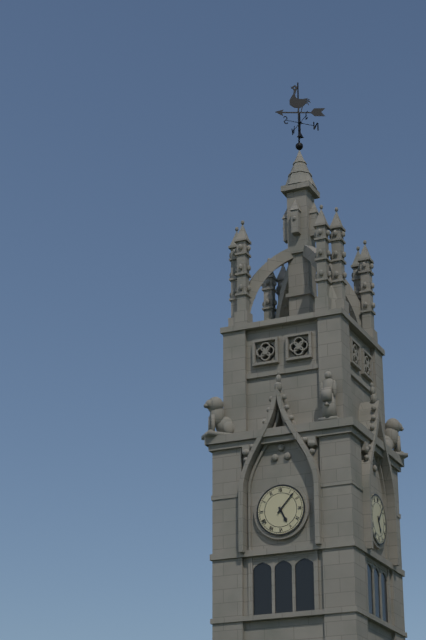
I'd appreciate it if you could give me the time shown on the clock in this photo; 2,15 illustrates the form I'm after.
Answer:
5,07
